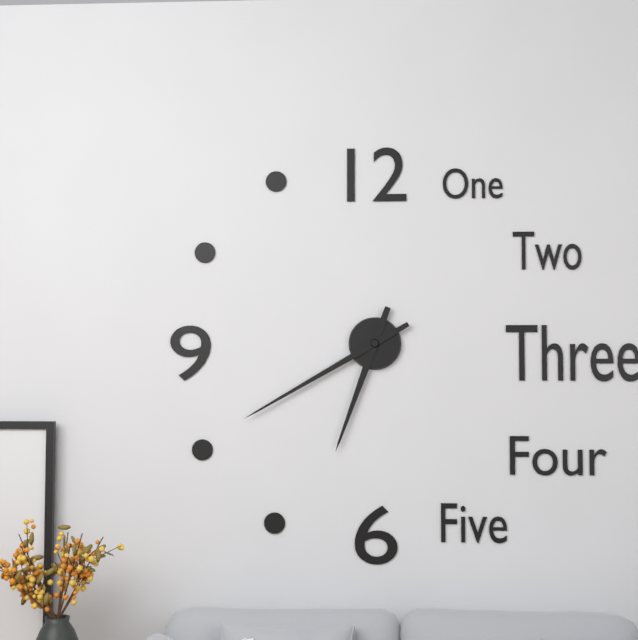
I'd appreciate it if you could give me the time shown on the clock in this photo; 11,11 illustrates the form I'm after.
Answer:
6,40
